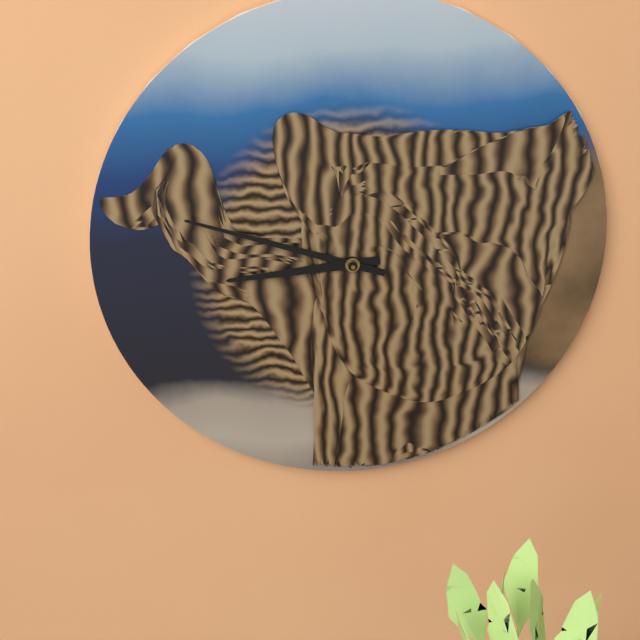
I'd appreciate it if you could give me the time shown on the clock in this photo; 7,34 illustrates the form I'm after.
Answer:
8,48
